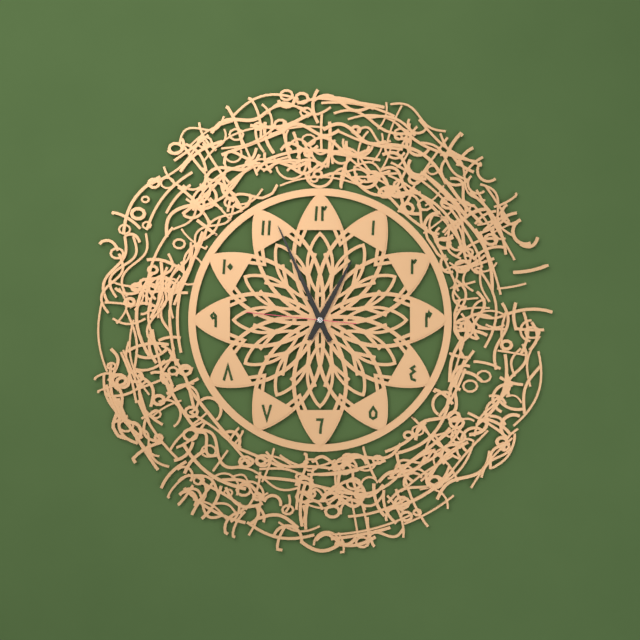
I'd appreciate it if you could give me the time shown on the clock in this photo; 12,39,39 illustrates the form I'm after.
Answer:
12,56,46
